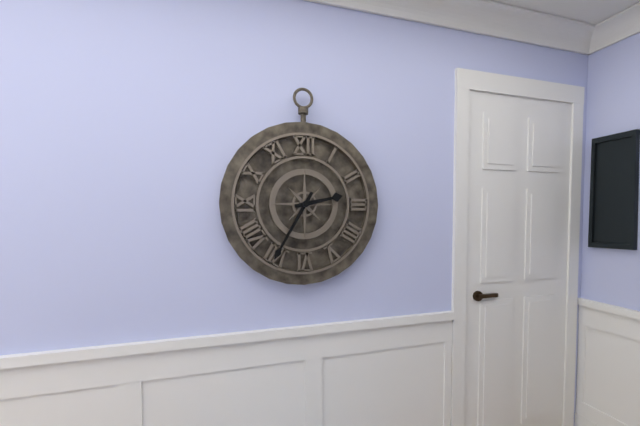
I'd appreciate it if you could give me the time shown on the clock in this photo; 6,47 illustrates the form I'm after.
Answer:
2,35
